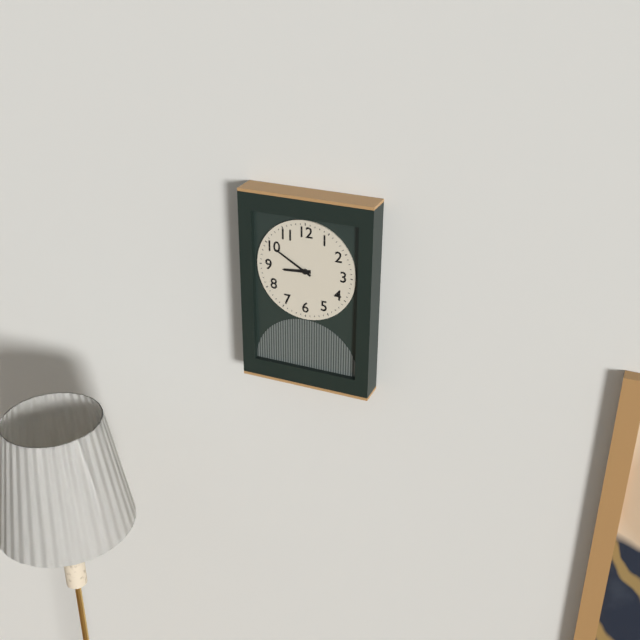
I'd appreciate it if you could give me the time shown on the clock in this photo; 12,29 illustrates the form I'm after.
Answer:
8,50
